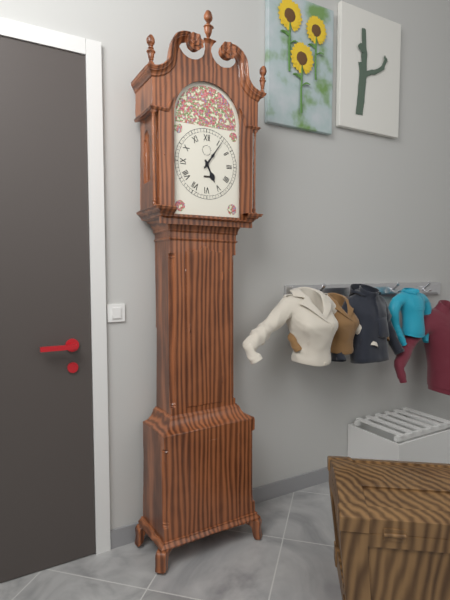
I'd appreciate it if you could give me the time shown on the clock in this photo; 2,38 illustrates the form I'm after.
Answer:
5,06
